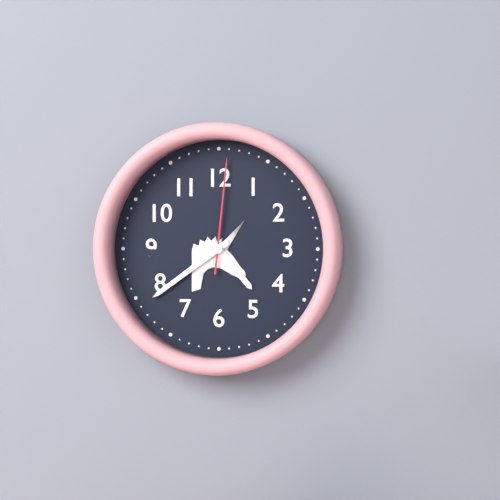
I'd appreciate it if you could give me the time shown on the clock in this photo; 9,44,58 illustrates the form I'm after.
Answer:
4,39,01
